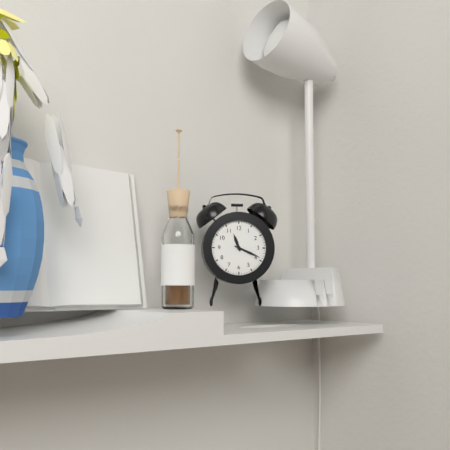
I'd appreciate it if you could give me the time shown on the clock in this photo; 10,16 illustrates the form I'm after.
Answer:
11,19
